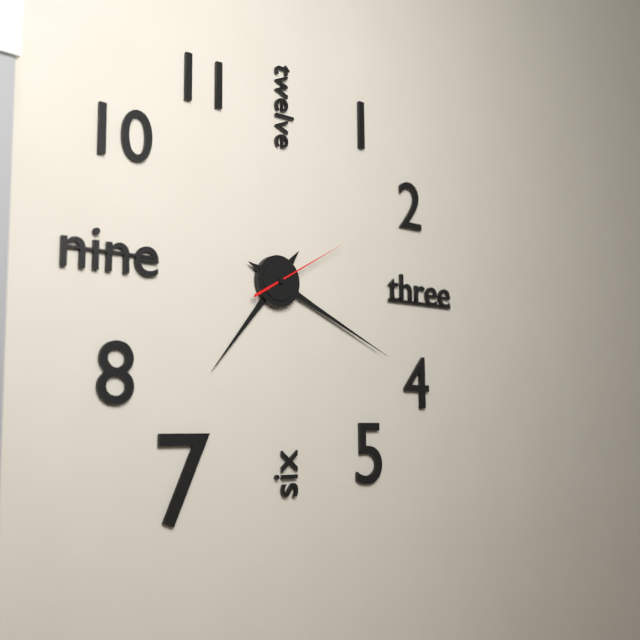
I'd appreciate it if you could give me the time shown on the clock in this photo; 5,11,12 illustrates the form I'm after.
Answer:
7,19,10
